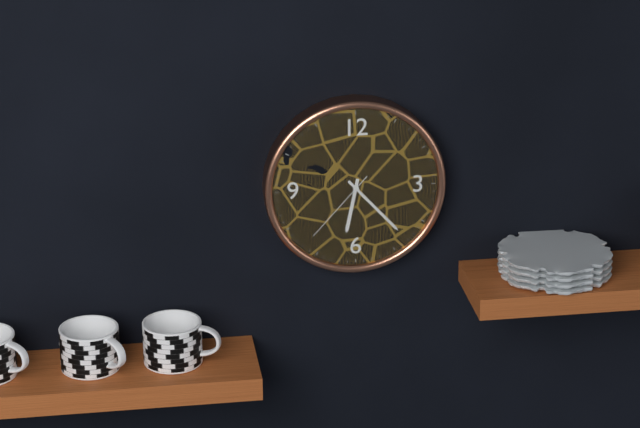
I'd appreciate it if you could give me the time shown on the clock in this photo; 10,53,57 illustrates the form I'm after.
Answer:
6,23,37
